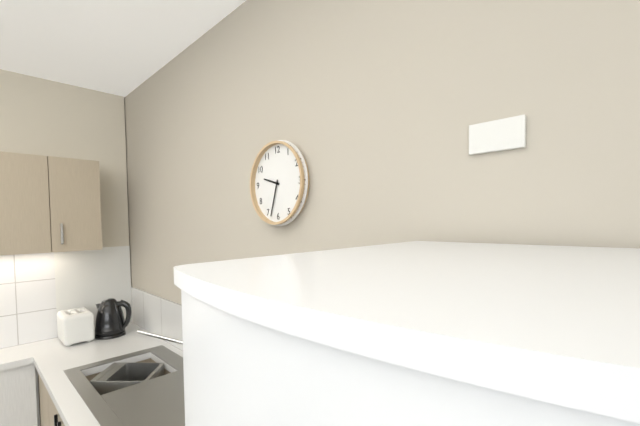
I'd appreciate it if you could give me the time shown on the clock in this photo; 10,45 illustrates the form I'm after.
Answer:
9,33
